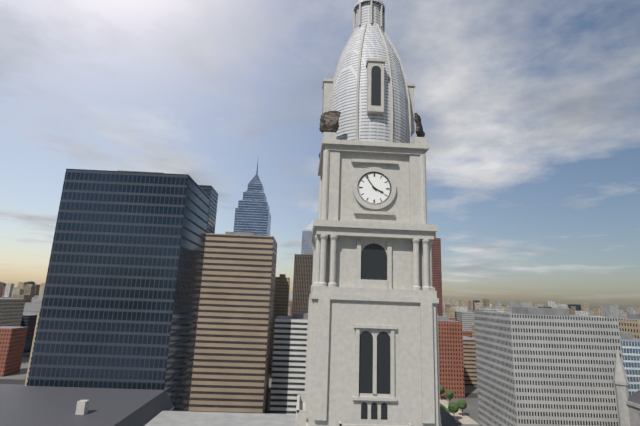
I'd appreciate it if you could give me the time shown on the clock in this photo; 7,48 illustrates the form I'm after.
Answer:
3,54
